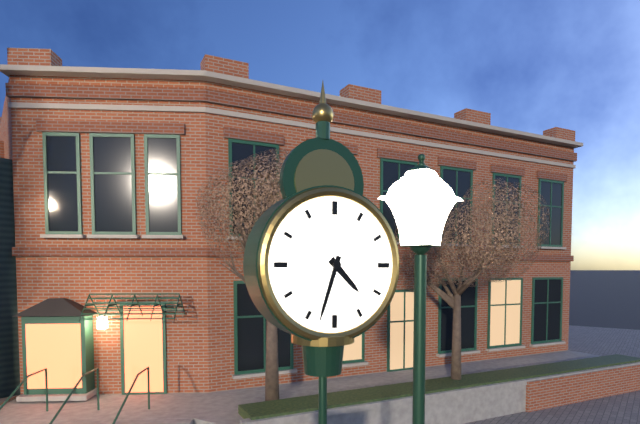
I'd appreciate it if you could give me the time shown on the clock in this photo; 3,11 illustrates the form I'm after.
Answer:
4,33
